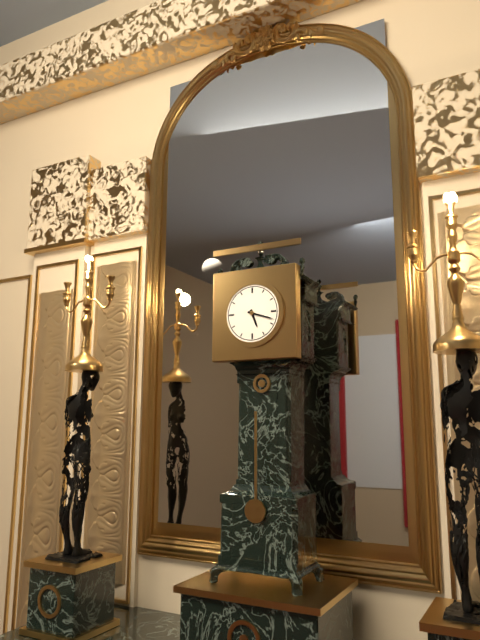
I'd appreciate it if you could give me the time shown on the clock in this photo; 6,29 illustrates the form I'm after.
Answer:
5,18
